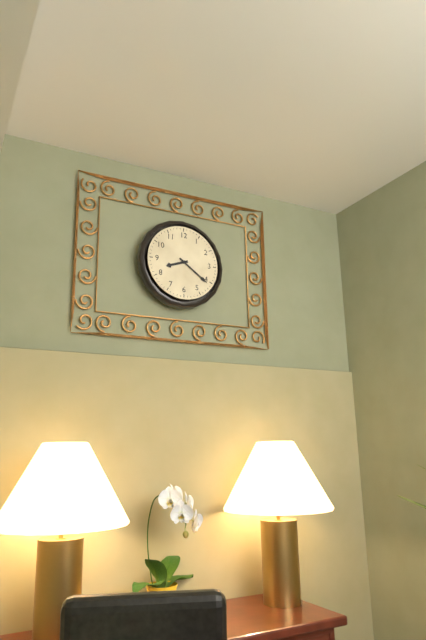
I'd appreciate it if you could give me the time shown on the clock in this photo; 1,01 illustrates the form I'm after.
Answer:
8,21
